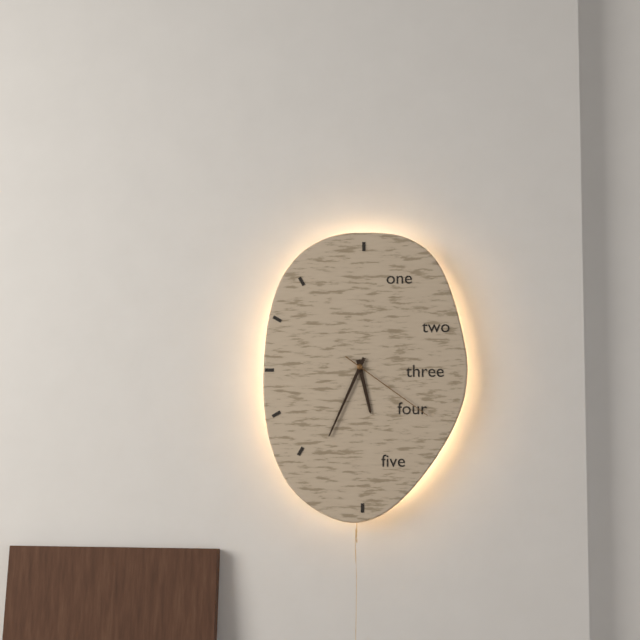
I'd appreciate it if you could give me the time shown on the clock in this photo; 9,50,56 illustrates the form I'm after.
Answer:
5,34,21
